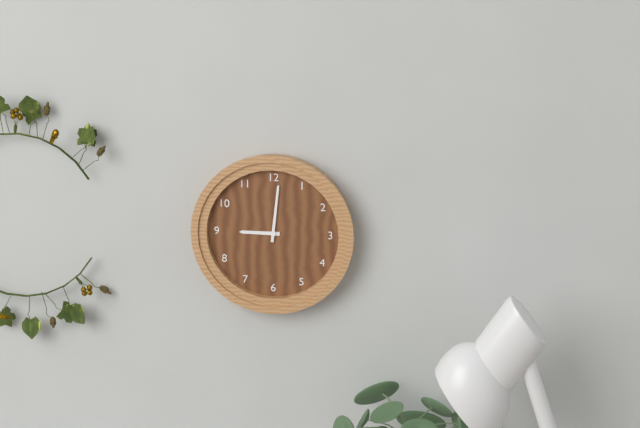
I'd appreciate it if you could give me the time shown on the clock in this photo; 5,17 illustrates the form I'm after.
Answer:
9,01
